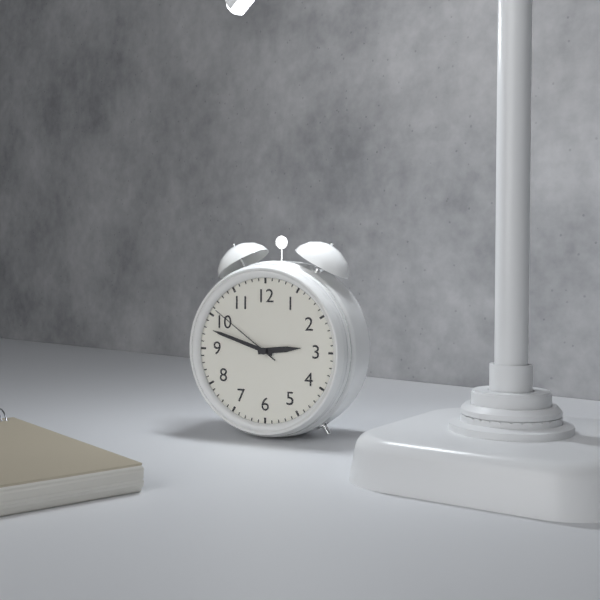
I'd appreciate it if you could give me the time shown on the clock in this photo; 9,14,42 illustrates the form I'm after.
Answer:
2,48,51
